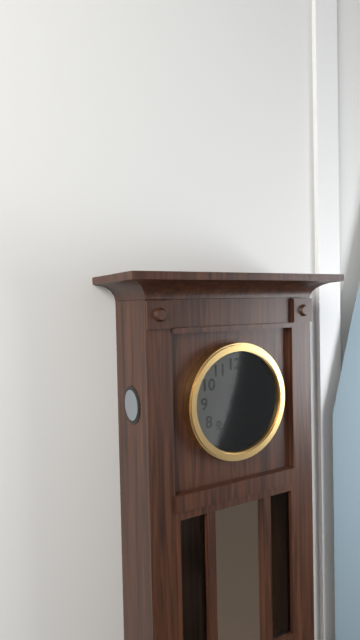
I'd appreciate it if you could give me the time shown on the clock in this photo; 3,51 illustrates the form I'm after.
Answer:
5,34
